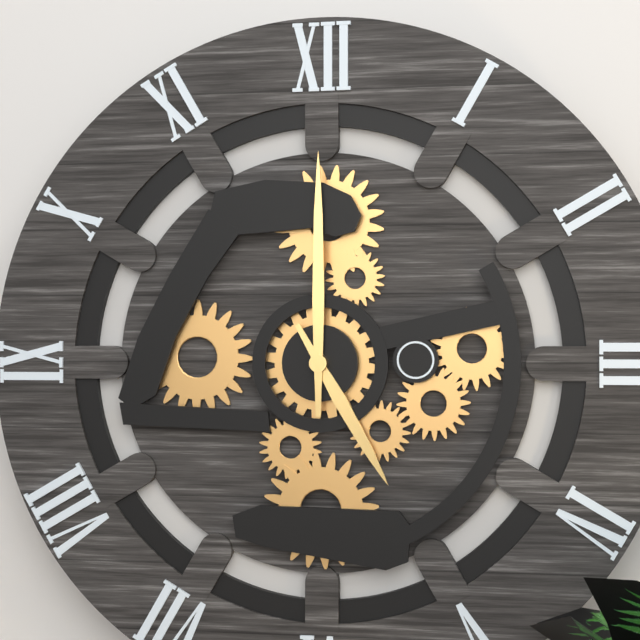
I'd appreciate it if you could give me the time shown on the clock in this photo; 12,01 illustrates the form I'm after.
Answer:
5,00
